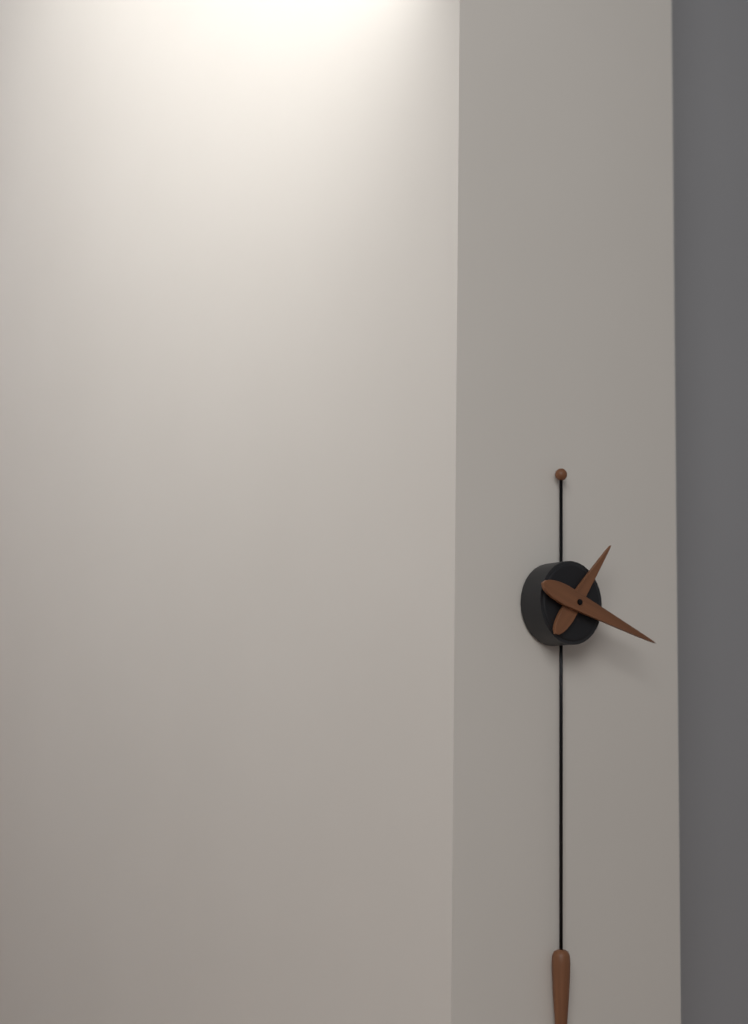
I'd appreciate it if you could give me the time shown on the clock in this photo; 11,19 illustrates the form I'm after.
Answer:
1,18
